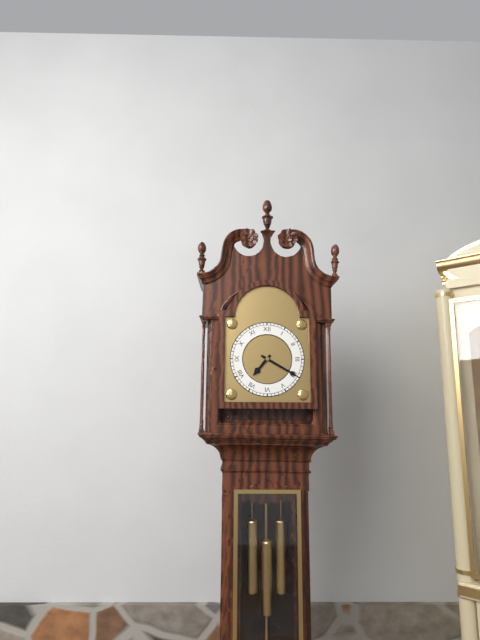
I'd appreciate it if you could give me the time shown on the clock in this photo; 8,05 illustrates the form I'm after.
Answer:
7,20
